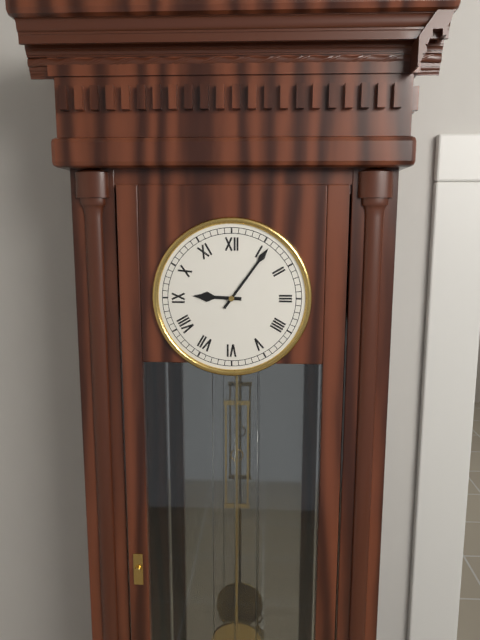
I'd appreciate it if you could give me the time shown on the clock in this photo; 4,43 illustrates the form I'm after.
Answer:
9,06
